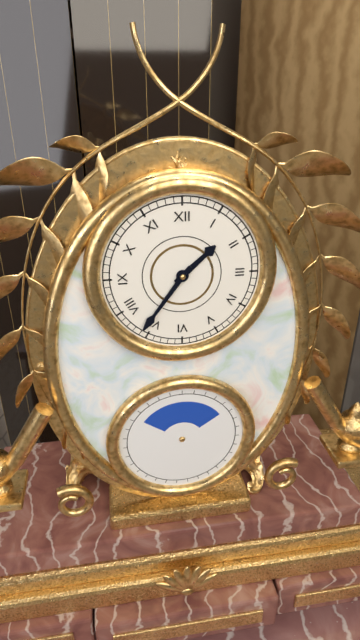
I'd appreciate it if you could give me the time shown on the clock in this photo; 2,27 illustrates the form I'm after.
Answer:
1,36
